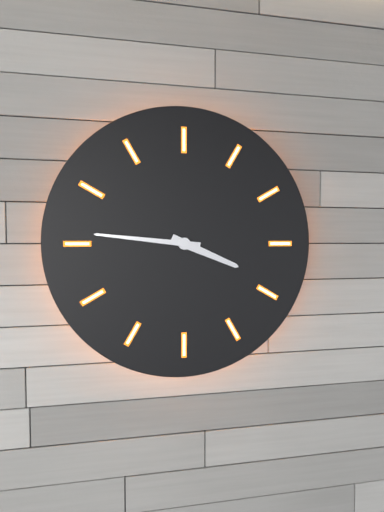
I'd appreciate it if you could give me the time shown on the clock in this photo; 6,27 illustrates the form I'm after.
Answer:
3,46
